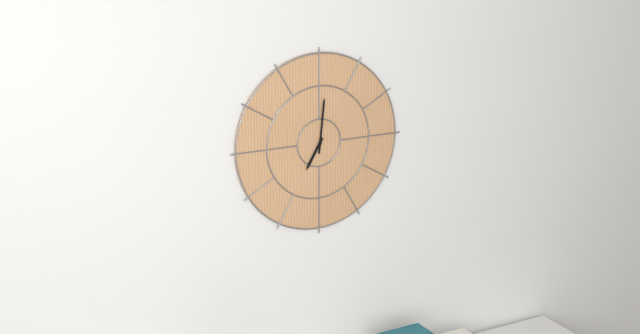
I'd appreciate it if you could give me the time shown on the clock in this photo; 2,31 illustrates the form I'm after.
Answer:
7,01
